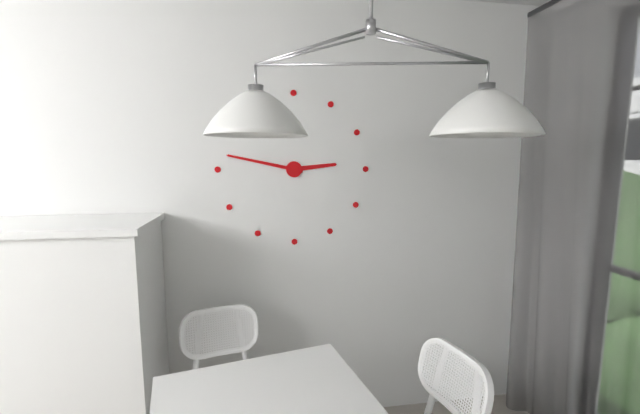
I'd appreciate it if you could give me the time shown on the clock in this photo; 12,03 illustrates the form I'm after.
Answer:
2,47
